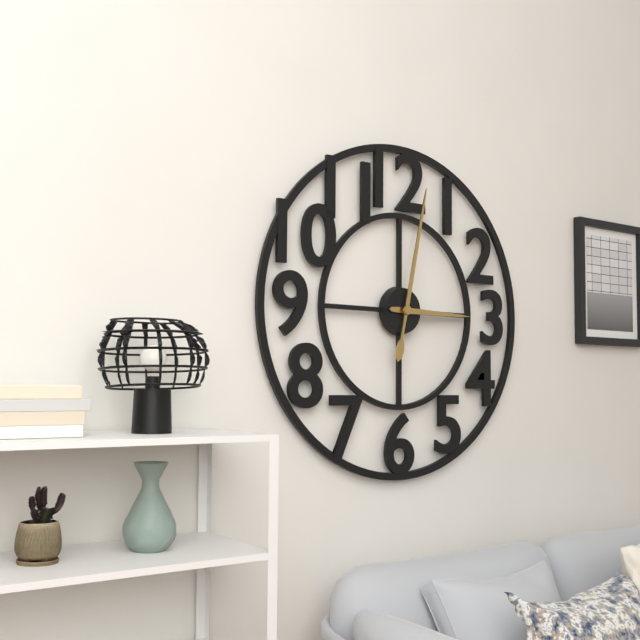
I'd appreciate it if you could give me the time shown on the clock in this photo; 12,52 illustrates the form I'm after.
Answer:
3,02
